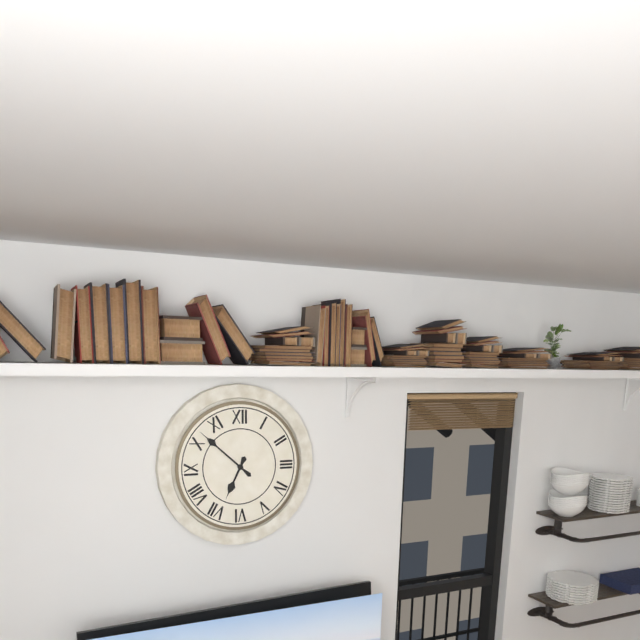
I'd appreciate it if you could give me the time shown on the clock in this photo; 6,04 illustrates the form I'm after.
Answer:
6,52
